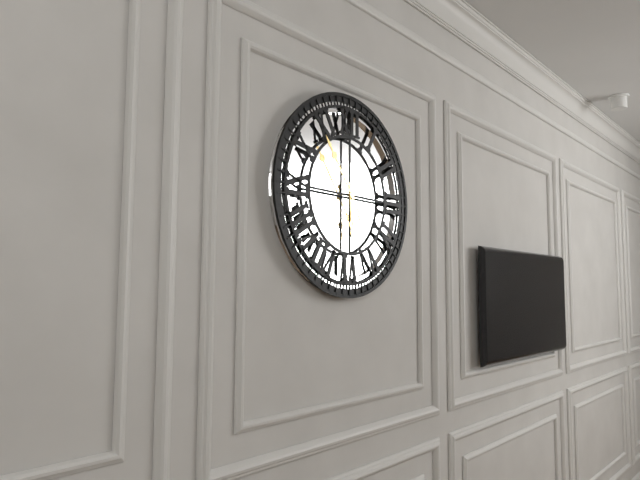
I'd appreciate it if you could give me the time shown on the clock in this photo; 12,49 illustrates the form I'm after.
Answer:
5,54
